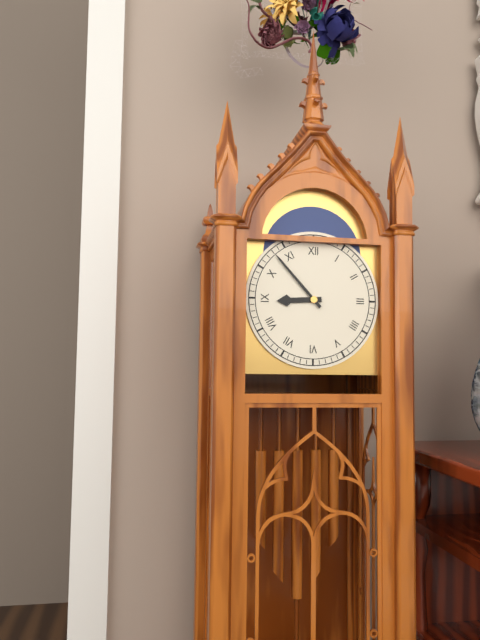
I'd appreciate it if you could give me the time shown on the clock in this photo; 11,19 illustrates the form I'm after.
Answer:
8,53
